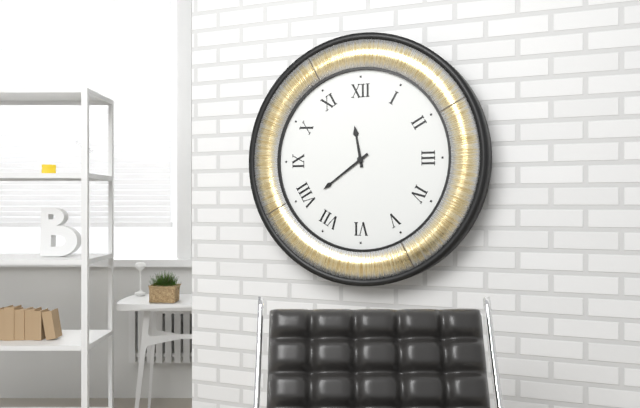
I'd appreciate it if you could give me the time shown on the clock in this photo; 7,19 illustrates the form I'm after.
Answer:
11,39
